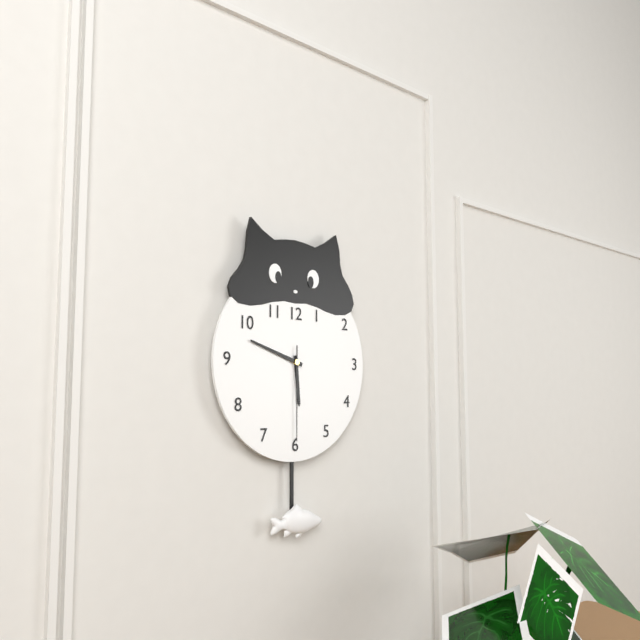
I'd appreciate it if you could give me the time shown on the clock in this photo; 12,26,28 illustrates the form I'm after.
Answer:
5,48,30
